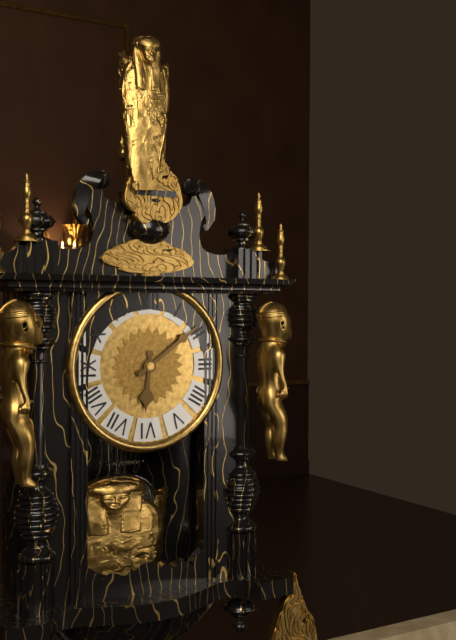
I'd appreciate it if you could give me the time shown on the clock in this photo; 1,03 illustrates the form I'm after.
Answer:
6,09
